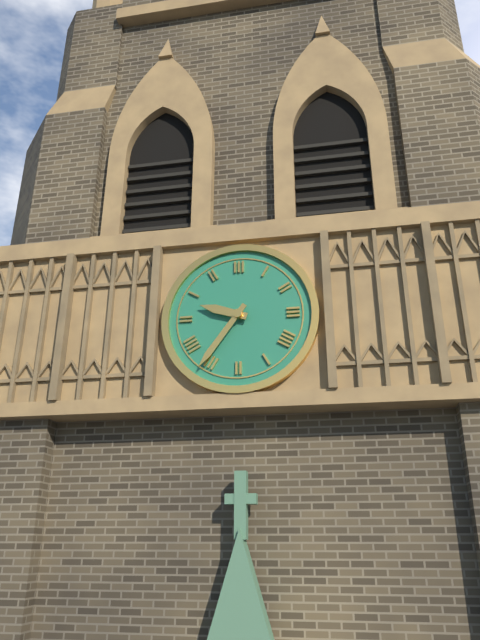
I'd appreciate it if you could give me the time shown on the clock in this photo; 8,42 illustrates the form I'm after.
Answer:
9,36
